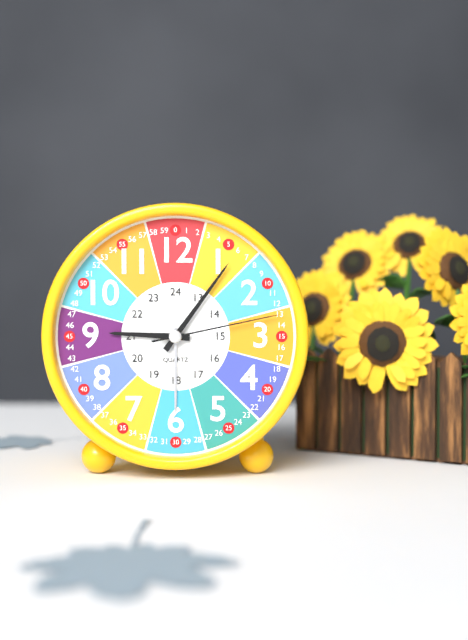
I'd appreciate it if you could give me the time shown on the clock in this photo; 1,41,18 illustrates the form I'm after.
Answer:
9,06,13
